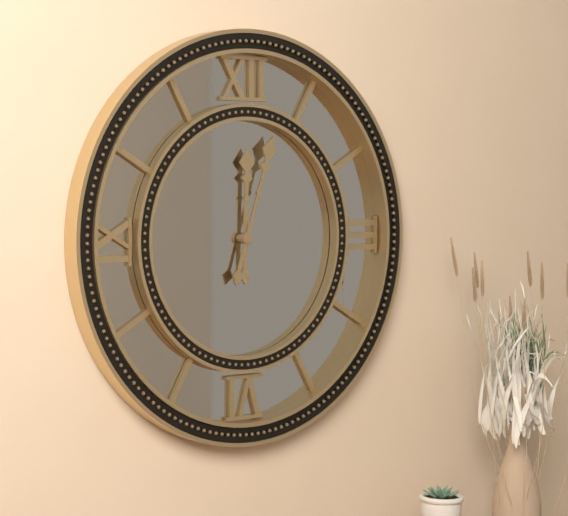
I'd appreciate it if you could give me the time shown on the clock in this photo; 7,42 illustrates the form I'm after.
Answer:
12,03
